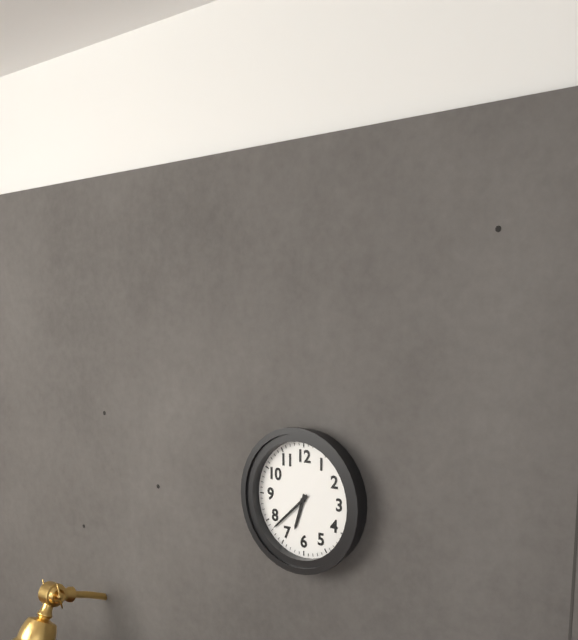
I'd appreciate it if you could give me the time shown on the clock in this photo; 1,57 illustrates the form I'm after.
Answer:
6,38
